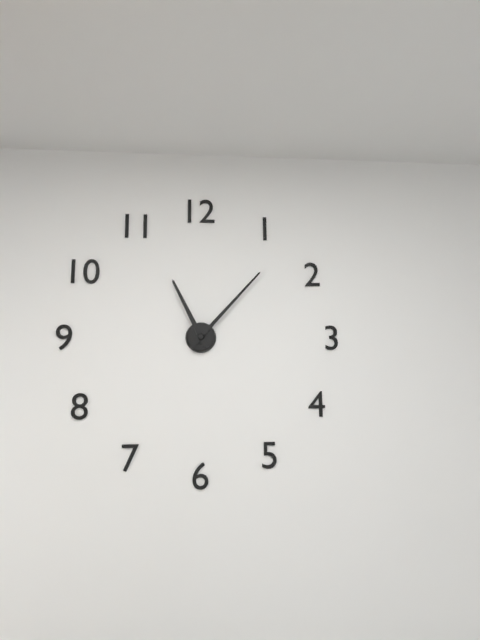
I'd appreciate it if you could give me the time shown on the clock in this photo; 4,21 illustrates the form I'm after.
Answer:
11,07
